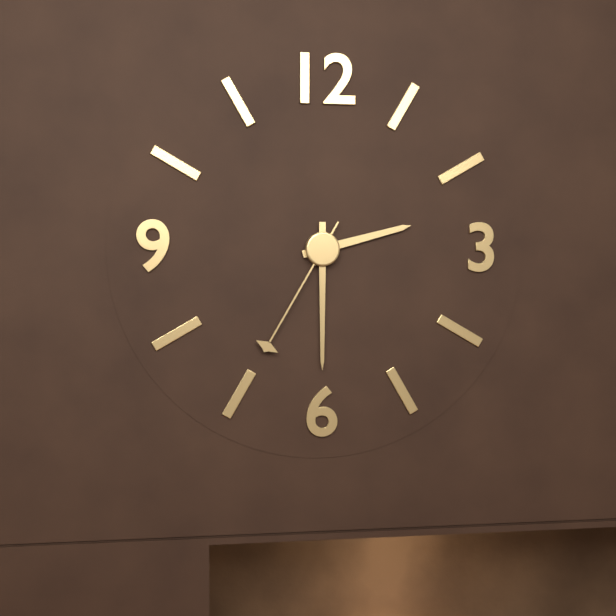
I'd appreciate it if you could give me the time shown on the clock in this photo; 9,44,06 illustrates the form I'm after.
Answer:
2,30,35
